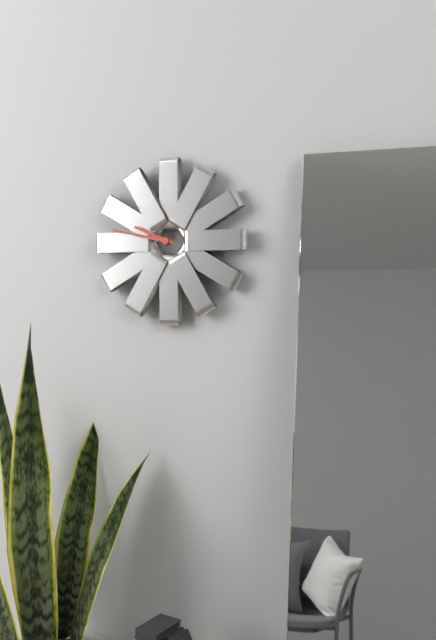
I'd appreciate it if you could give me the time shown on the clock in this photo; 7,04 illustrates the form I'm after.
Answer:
9,47
